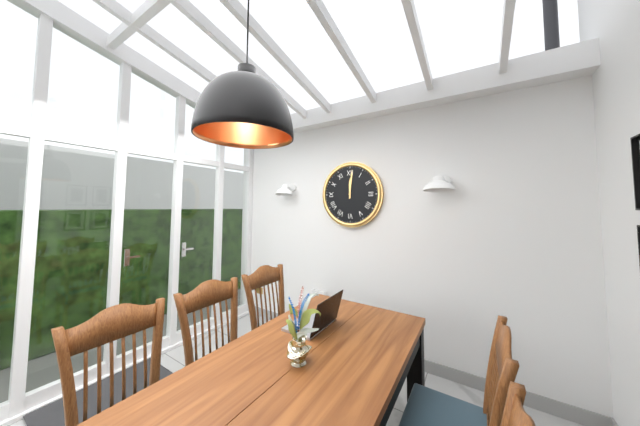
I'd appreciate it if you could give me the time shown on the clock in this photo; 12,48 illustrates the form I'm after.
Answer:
12,01
